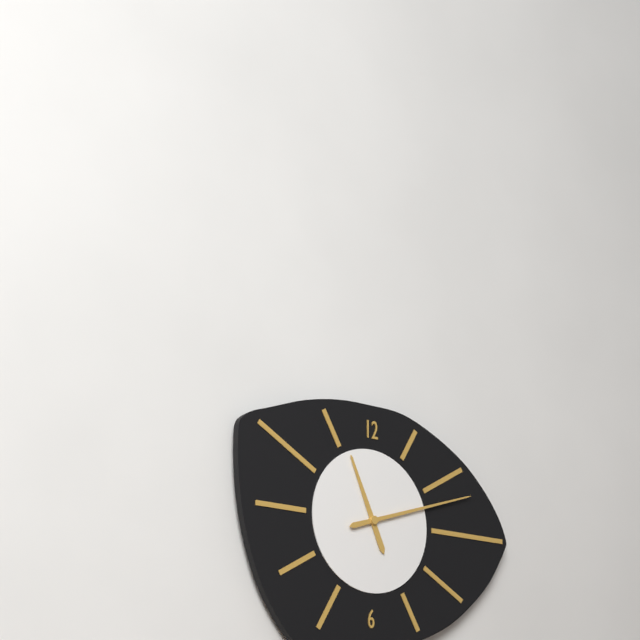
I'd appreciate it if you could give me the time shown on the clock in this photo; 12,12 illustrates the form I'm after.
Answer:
11,12
